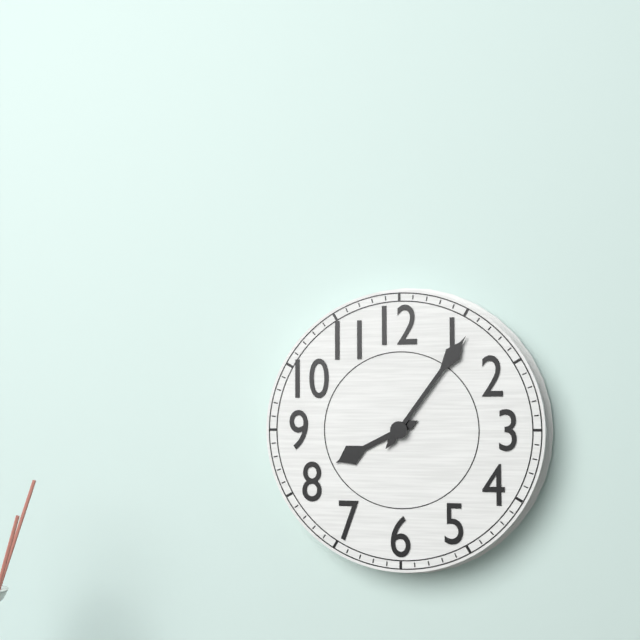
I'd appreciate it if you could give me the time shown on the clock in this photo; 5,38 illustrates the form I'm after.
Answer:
8,06
